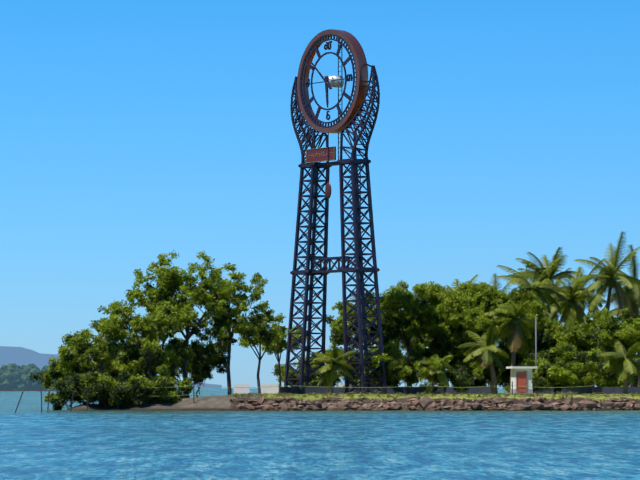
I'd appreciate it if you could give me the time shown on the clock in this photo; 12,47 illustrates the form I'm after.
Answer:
5,52
